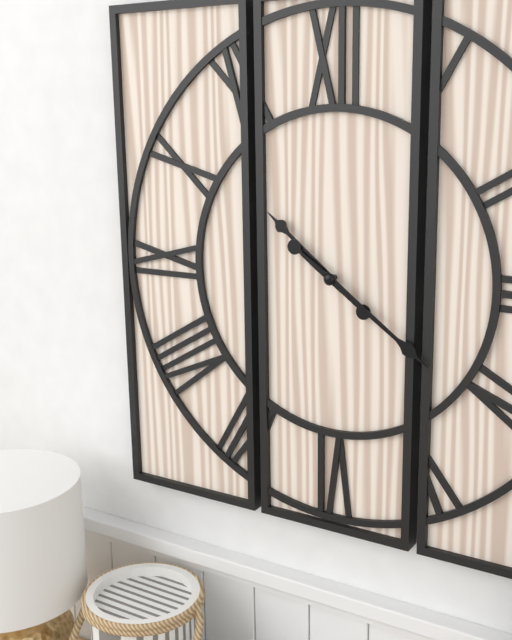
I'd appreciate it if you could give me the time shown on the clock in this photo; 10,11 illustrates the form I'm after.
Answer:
10,21
